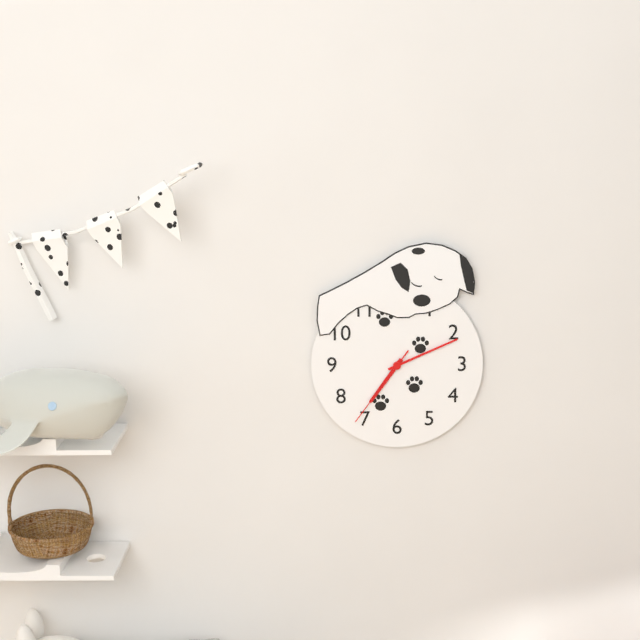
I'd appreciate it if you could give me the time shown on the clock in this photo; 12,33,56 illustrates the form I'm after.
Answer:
7,11,36
